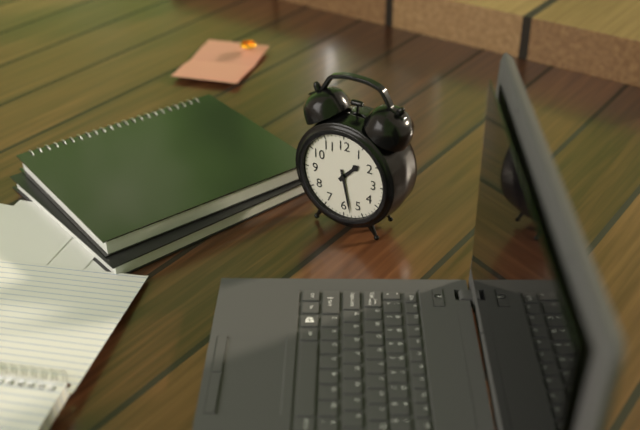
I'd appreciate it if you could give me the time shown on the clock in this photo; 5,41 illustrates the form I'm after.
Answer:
1,28
